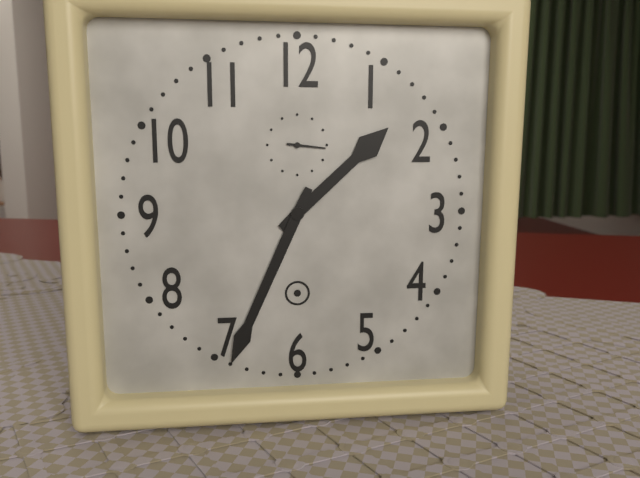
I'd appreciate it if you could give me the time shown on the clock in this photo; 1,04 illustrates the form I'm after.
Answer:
1,34
